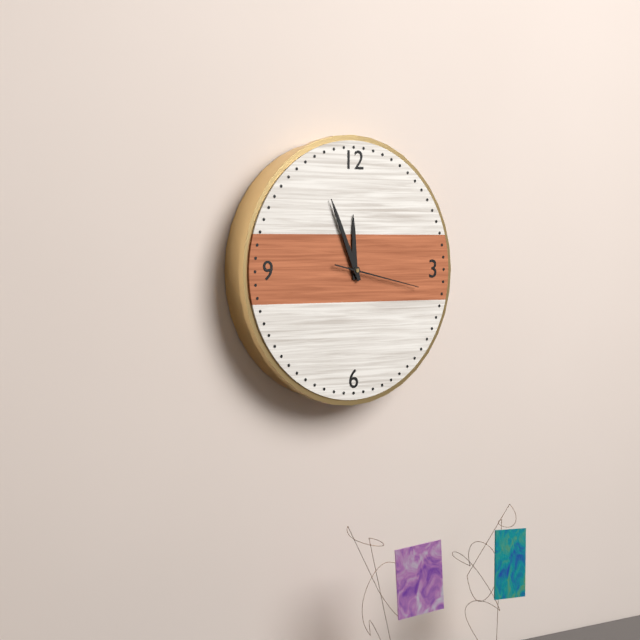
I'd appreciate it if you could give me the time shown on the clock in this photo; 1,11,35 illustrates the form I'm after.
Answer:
11,56,17
